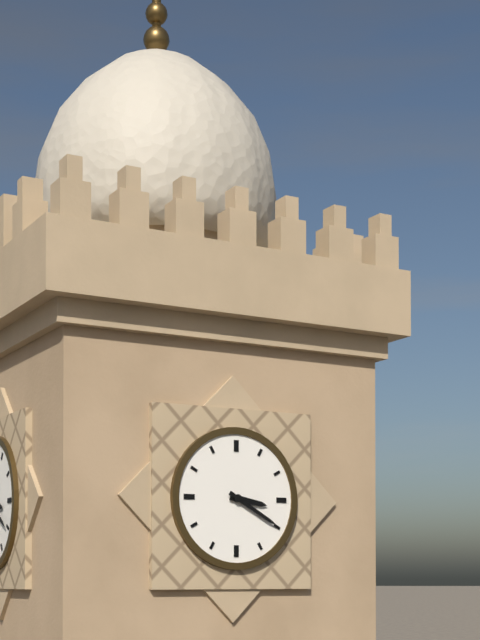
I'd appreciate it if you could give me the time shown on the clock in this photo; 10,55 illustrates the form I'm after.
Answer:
3,20
